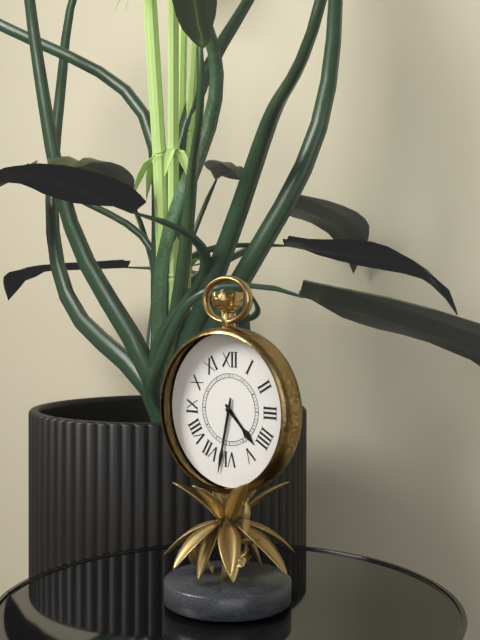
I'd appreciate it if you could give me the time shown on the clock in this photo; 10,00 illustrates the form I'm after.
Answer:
4,32
